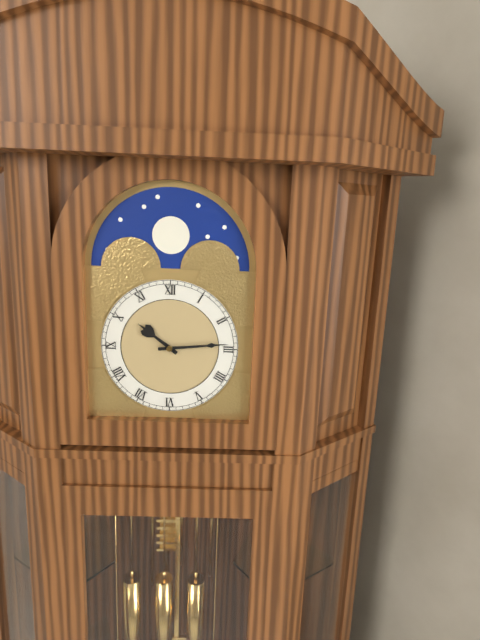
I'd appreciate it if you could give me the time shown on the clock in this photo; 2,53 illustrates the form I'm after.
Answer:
10,14
